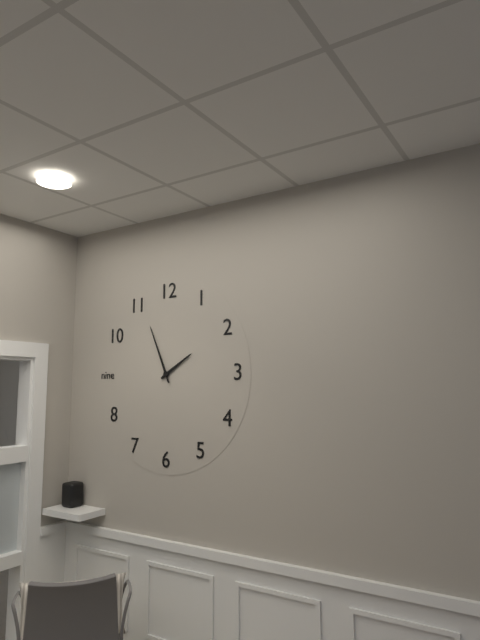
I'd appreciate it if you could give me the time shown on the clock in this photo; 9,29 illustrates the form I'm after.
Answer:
1,56
